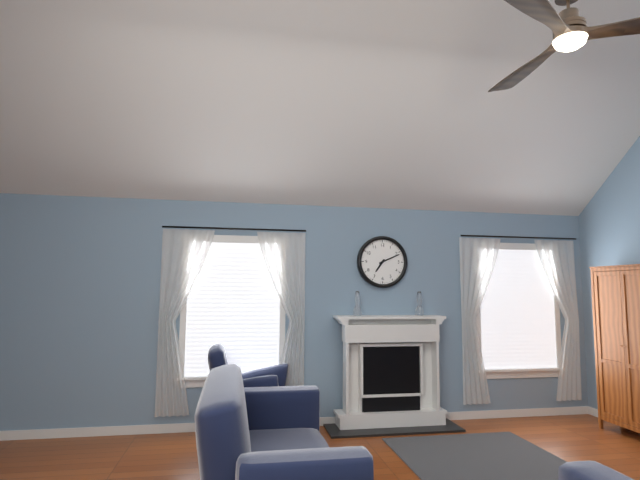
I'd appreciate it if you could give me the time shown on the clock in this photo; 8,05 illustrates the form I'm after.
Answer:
7,11
